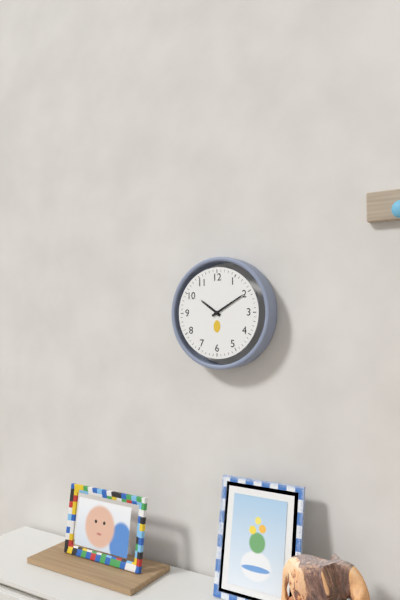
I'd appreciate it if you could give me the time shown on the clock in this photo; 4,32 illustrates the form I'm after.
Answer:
10,10
